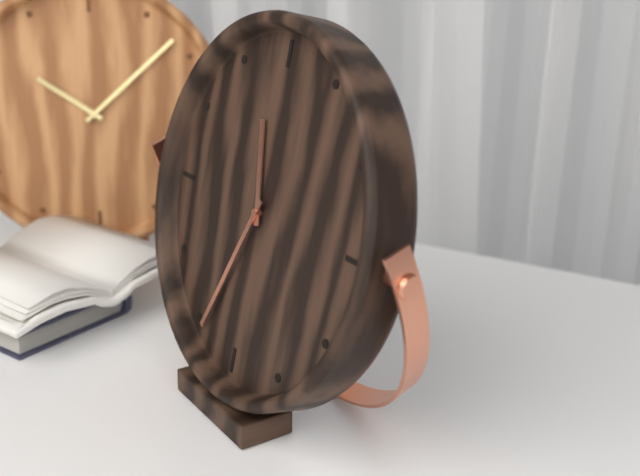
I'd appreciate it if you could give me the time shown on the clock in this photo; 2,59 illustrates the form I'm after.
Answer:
11,34
